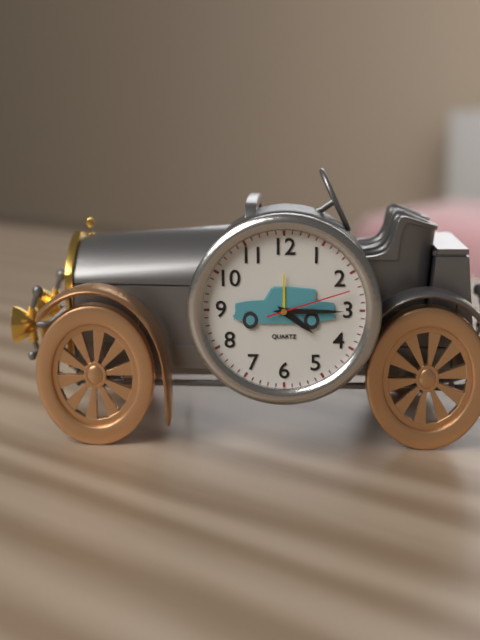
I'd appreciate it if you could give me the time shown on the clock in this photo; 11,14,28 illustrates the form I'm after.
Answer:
4,15,12
